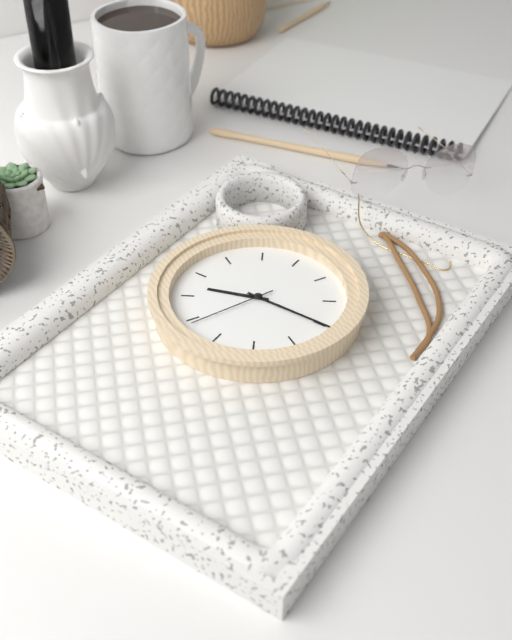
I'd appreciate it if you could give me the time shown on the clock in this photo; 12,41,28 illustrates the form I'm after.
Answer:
10,25,44
